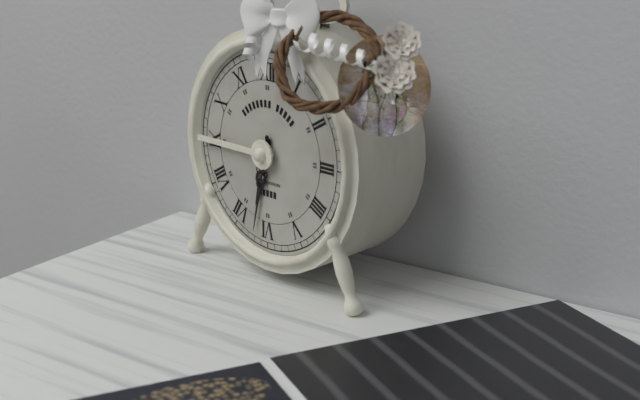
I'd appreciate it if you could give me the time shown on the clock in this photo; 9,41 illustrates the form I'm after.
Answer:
6,32
